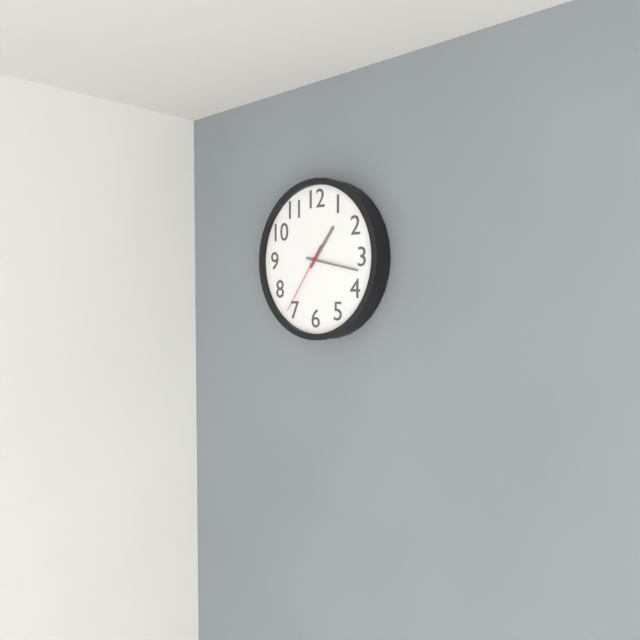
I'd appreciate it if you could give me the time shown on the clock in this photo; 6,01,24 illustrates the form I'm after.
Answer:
1,17,36
